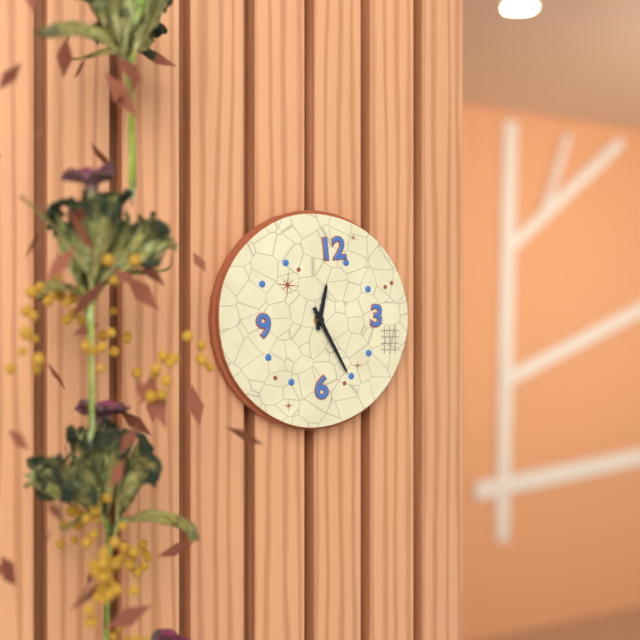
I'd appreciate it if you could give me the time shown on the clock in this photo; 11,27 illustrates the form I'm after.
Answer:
12,25
